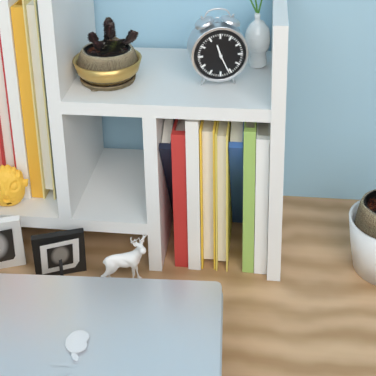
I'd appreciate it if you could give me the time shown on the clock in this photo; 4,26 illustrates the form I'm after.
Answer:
11,26
